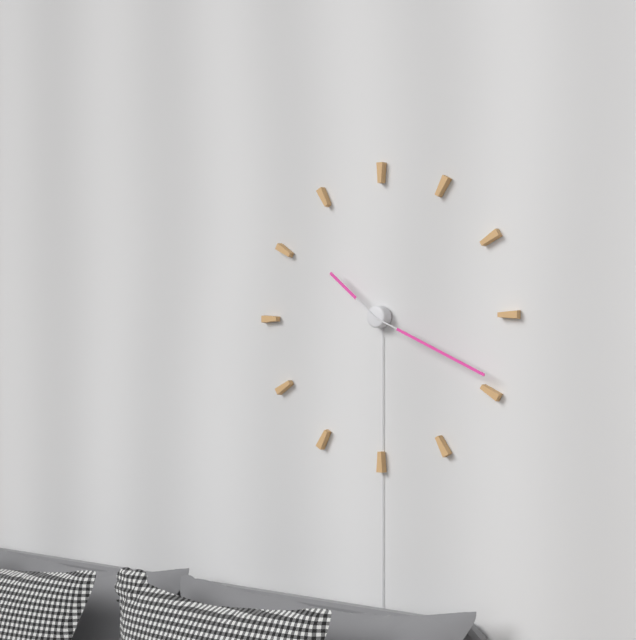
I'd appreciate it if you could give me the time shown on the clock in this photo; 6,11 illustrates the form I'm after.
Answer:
10,19
